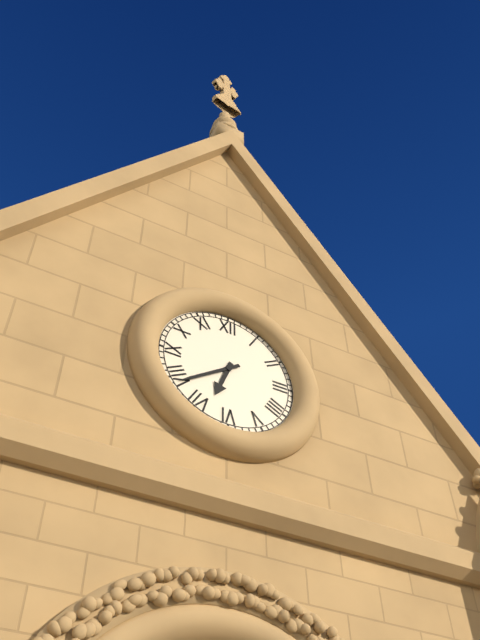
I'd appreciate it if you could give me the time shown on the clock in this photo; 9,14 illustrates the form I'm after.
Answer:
6,39
